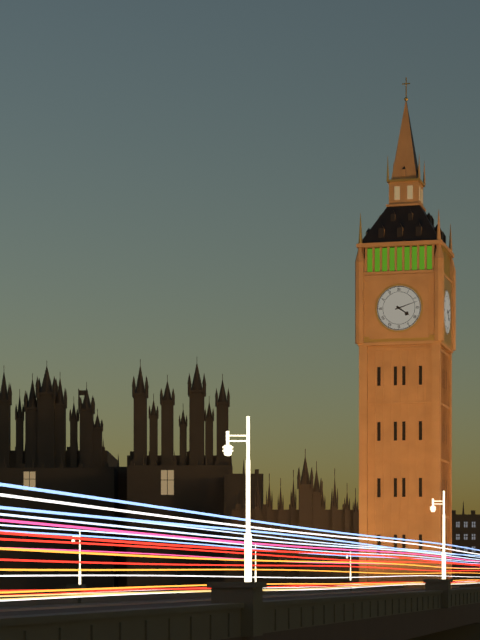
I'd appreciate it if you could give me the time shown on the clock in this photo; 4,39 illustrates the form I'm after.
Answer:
4,12
